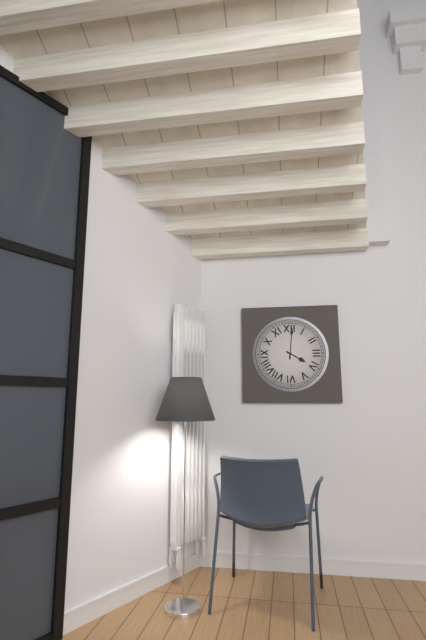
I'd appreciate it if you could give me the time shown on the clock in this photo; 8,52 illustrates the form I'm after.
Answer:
4,01
